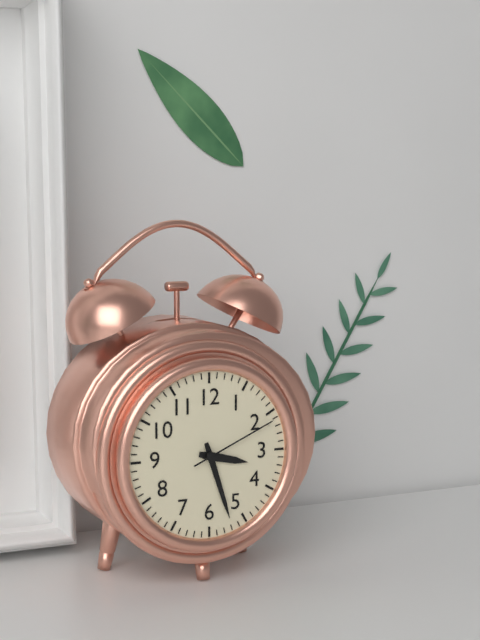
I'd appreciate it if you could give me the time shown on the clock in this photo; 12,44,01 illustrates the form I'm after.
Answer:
3,27,11
